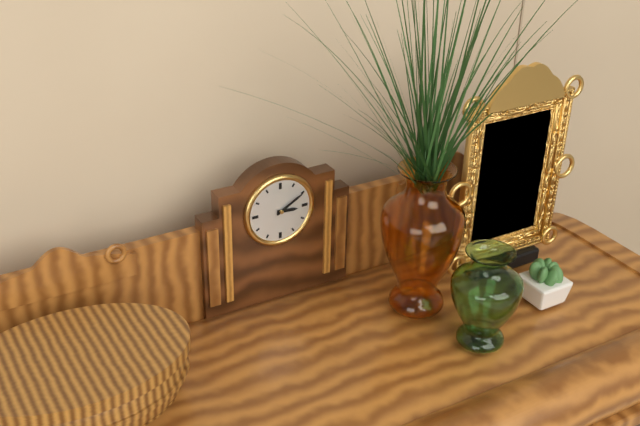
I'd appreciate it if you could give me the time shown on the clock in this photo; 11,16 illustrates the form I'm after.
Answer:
3,10
